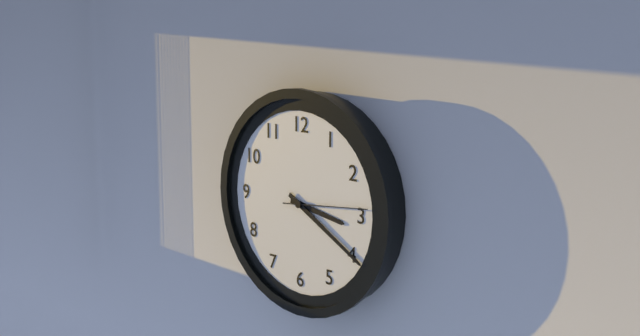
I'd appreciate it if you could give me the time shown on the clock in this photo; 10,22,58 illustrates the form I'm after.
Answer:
3,20,14
